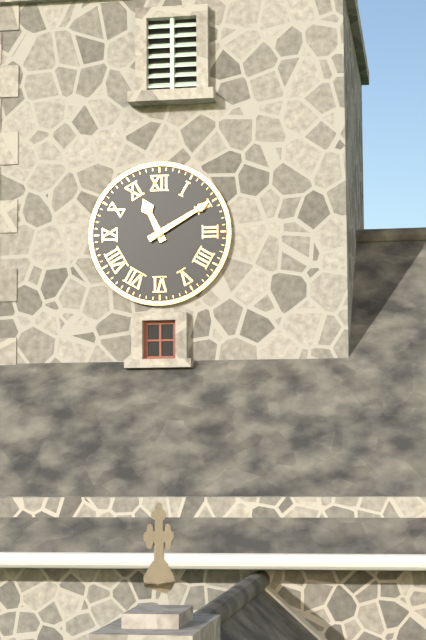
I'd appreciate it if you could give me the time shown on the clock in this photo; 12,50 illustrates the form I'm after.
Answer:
11,10
